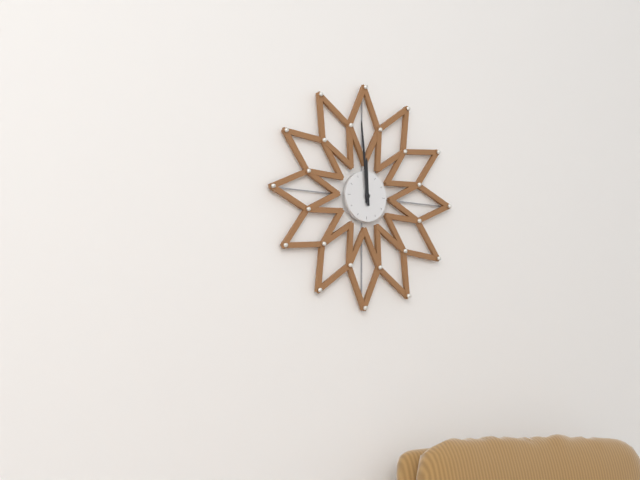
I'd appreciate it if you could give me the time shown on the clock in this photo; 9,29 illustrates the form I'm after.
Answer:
11,59
